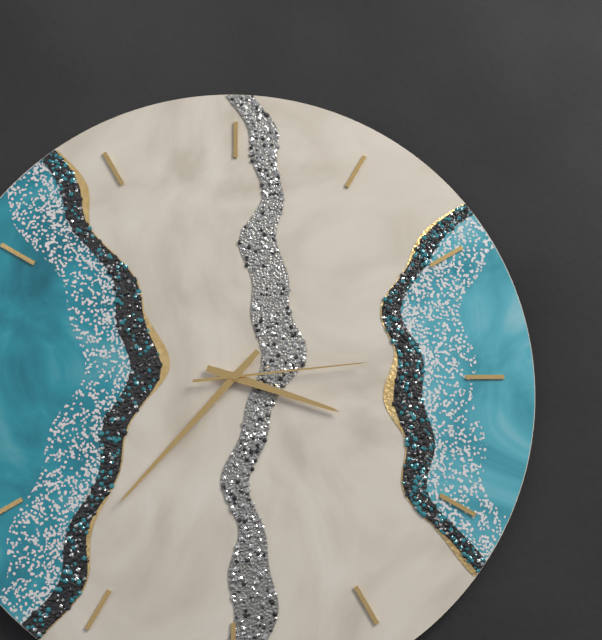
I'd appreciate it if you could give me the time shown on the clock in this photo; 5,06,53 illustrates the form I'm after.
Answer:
3,37,14
